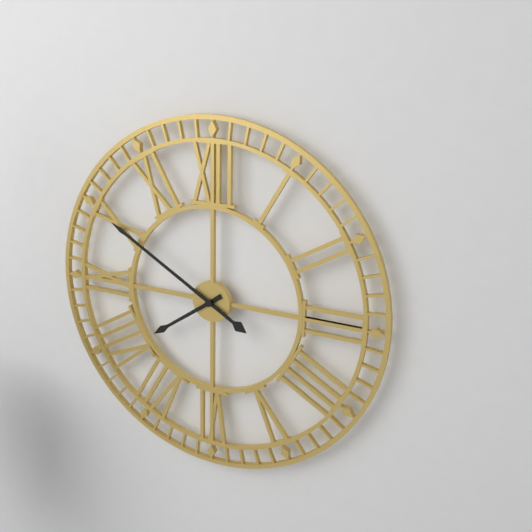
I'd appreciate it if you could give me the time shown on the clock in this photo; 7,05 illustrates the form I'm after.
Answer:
7,50
